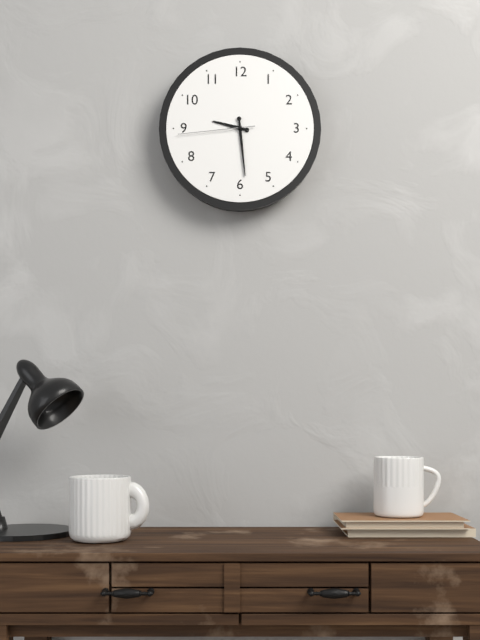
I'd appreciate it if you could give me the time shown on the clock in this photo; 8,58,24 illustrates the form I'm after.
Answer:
9,29,44
